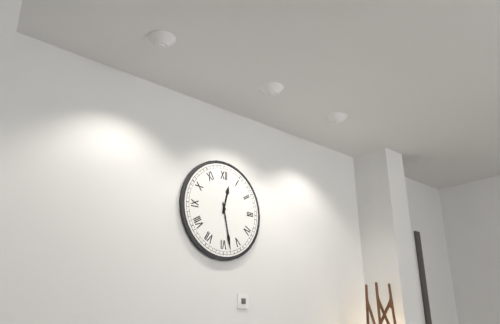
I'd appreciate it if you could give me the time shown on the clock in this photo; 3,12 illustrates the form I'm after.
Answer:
12,28
